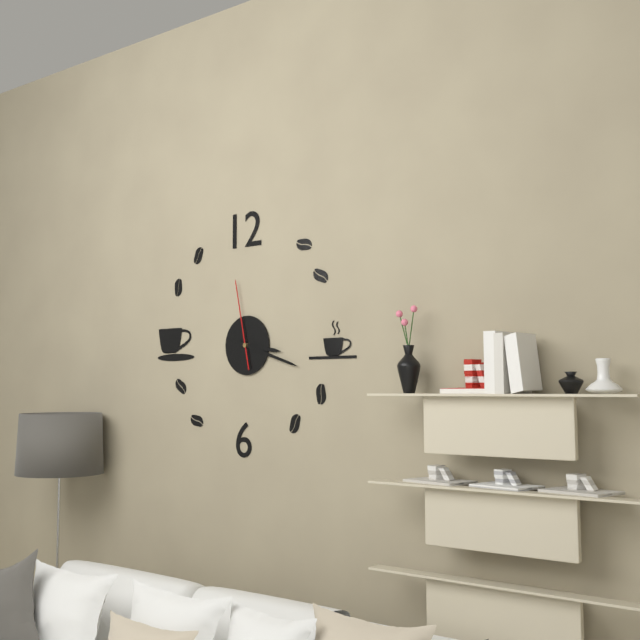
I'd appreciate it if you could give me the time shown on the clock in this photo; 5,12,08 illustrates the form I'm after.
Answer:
3,18,58
